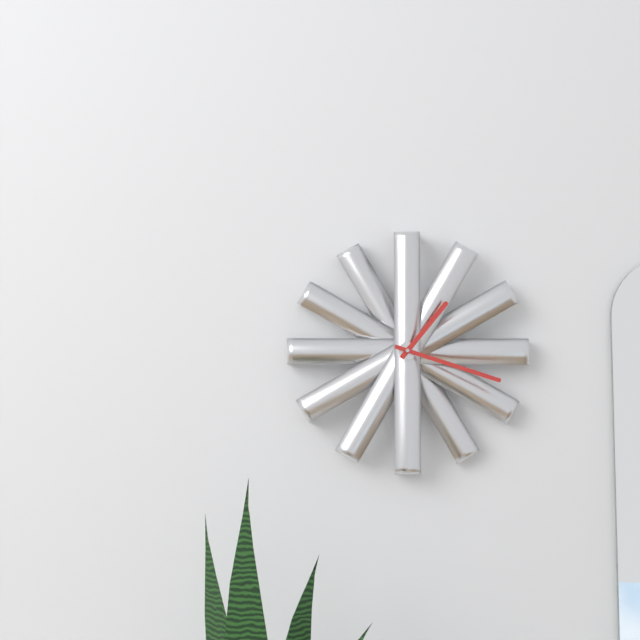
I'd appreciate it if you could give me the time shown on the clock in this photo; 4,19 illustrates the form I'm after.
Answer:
1,18
